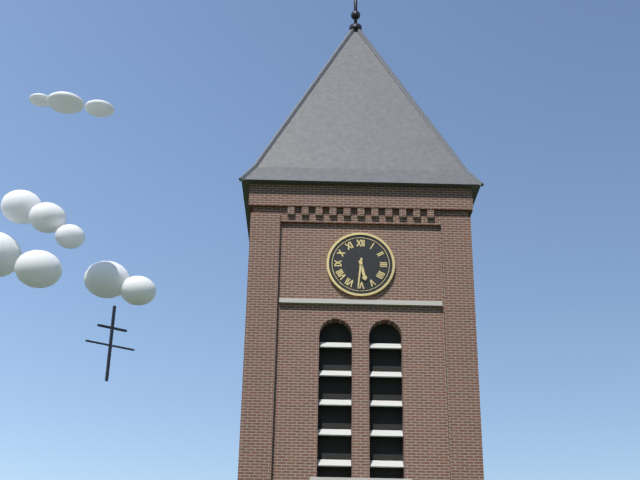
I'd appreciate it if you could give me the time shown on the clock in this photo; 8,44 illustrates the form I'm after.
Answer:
5,31
